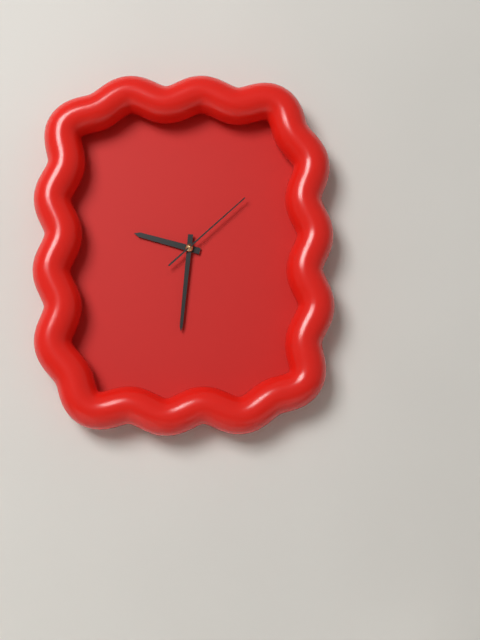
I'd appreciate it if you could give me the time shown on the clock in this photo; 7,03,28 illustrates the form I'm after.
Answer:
9,31,08
